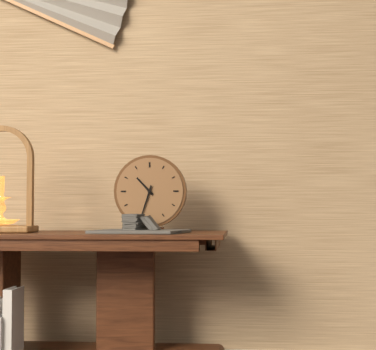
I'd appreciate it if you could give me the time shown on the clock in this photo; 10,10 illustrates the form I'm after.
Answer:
10,33
